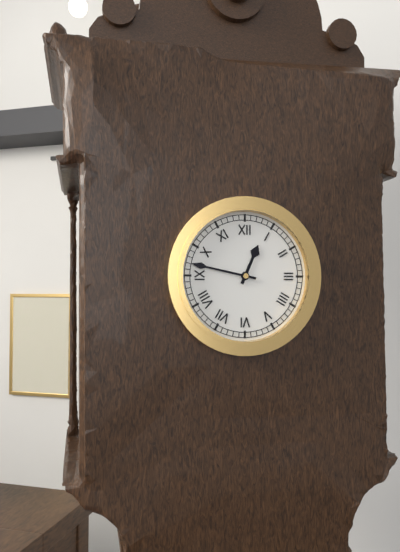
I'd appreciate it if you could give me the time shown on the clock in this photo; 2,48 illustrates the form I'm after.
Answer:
12,47
